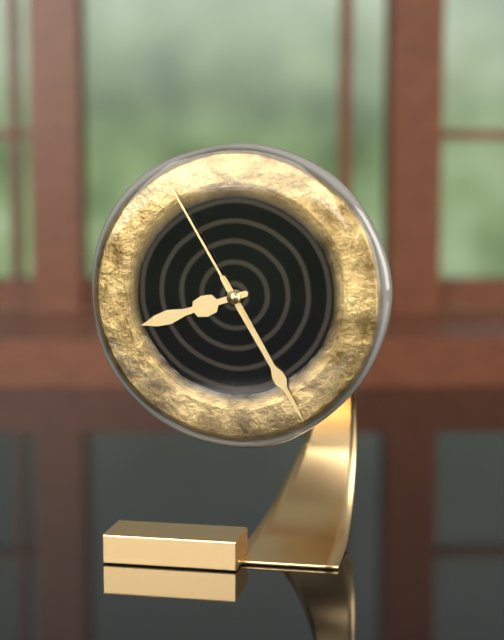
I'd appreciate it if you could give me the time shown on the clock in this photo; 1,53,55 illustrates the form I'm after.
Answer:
8,25,55
